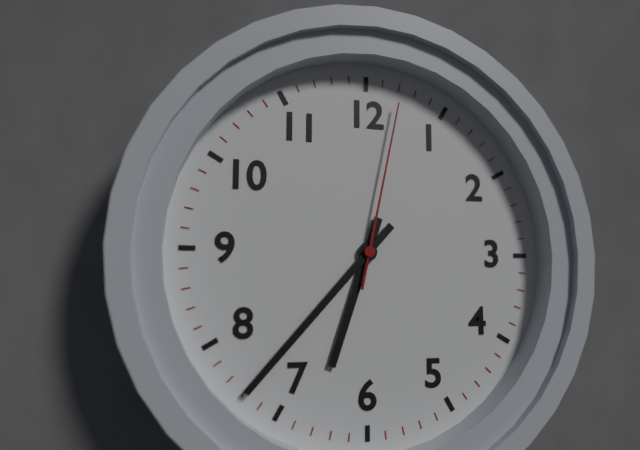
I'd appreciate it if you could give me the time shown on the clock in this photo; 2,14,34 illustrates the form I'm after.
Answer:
6,37,02
